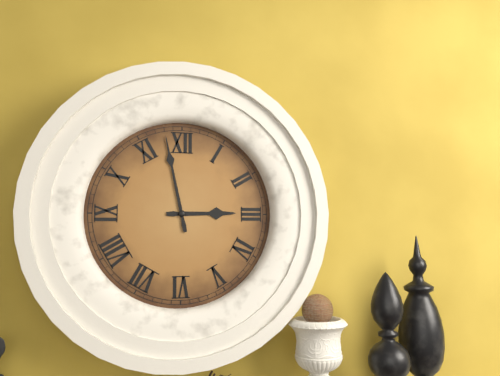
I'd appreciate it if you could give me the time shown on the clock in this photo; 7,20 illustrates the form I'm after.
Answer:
2,58
